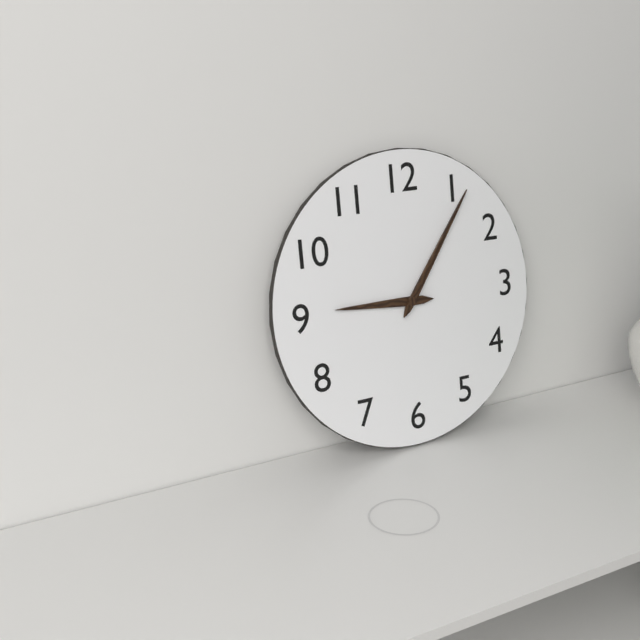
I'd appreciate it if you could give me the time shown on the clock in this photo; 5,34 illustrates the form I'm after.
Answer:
9,06
